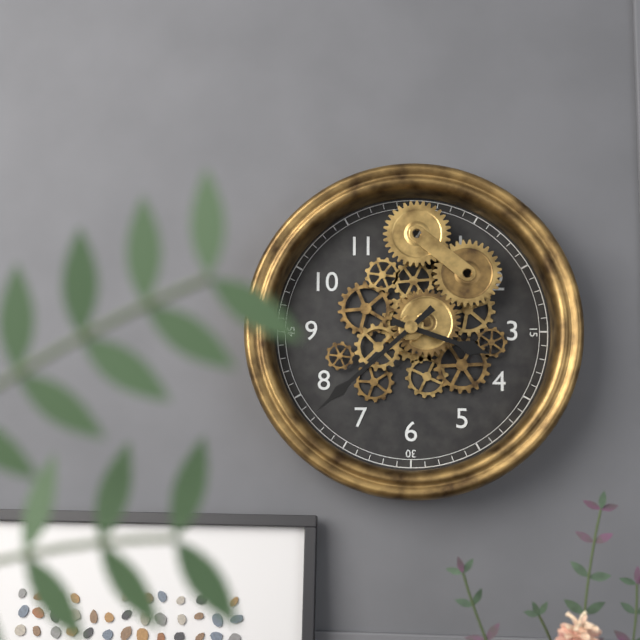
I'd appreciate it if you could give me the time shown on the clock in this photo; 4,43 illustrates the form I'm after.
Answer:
3,38
